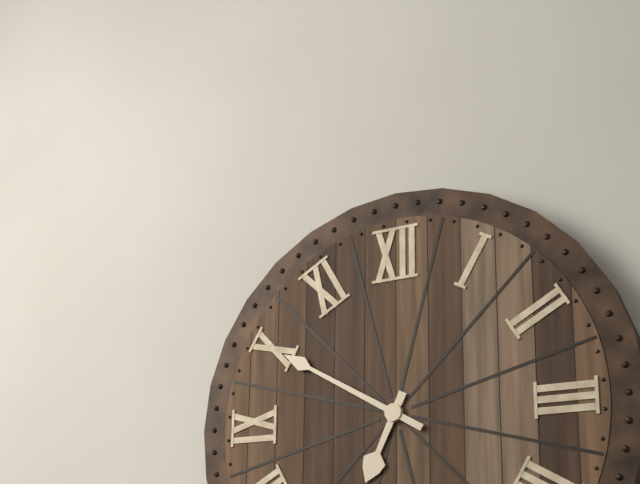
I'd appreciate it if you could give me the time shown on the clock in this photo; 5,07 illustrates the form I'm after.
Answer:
6,50
